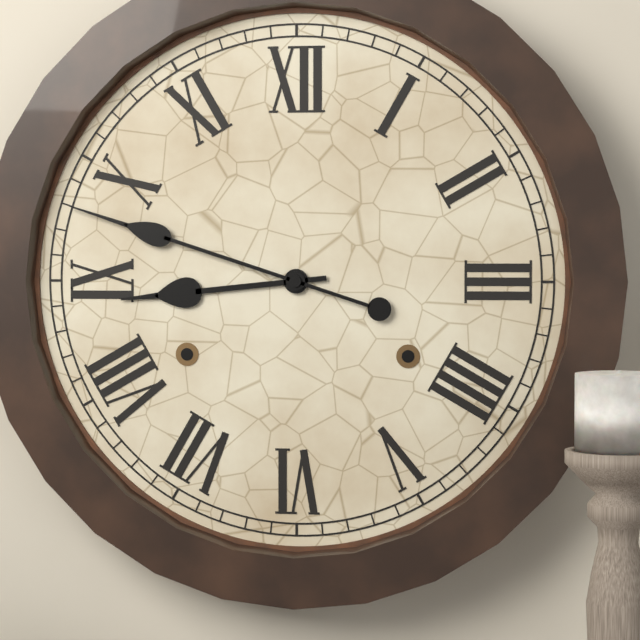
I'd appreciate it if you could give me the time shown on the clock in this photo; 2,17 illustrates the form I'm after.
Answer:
8,48
